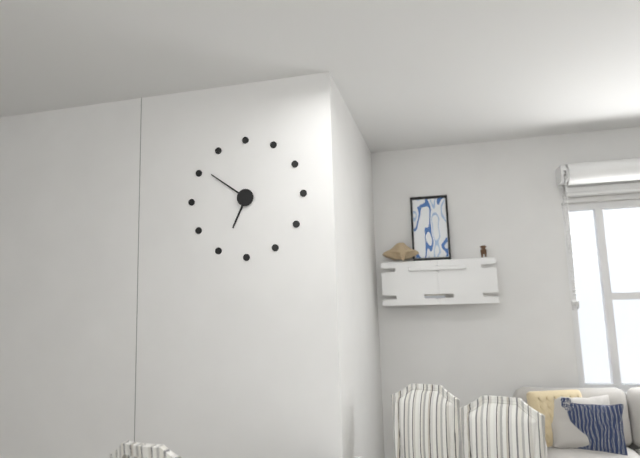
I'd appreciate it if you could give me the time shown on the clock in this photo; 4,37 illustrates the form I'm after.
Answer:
6,51
